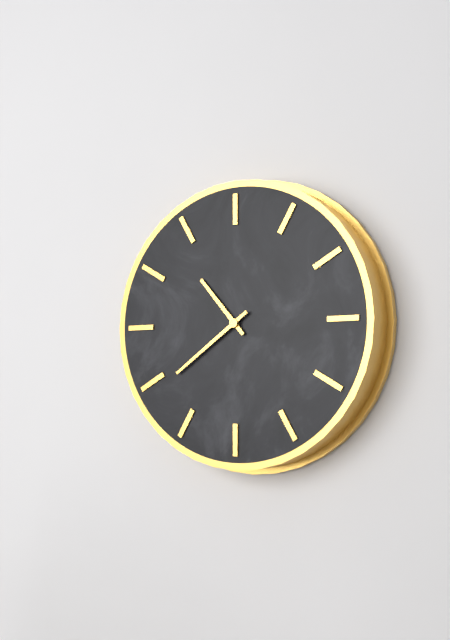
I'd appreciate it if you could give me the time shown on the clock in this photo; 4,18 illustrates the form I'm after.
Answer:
10,39
